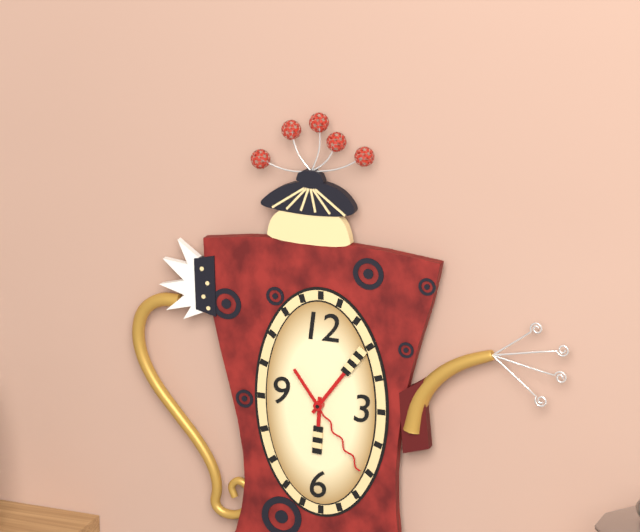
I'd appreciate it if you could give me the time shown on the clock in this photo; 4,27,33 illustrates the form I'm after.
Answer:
6,06,24
